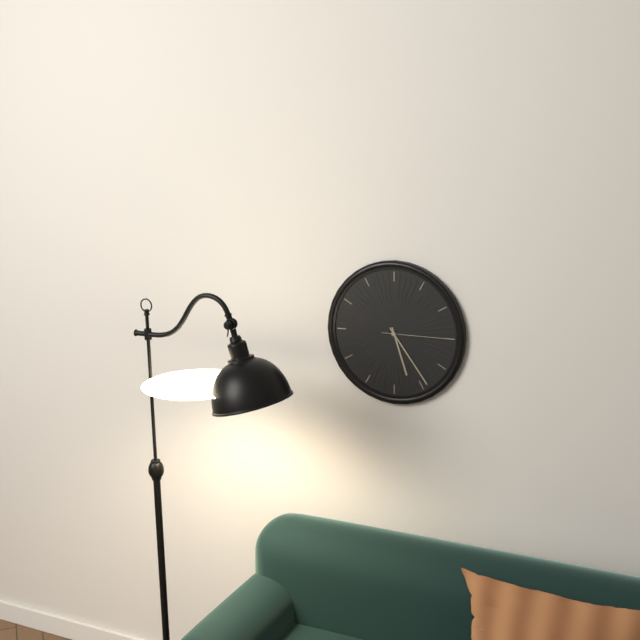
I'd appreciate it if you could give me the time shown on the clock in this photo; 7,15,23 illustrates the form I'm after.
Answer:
5,24,15
